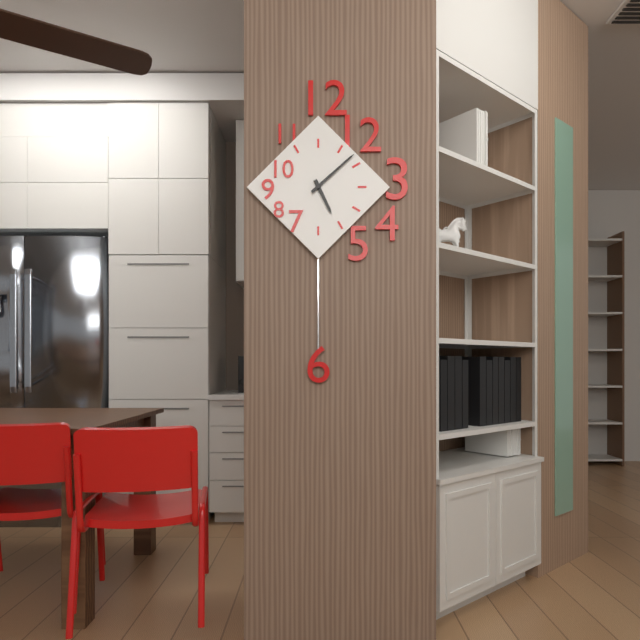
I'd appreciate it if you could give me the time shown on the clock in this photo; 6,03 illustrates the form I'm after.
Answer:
5,08
